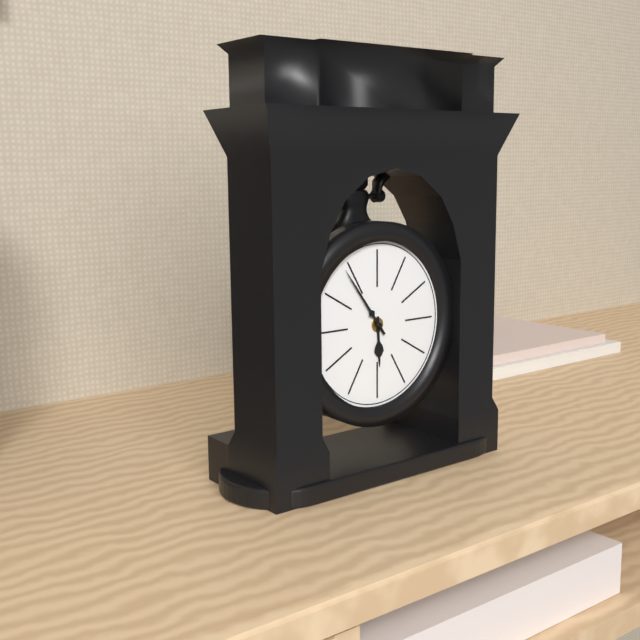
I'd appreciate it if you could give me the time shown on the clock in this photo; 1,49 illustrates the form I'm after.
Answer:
5,54
